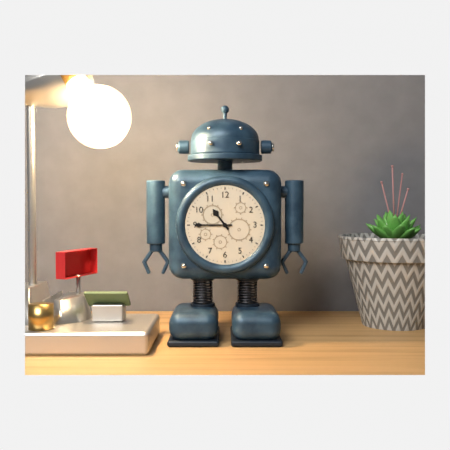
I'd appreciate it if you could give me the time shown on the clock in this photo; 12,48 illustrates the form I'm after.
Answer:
10,45
